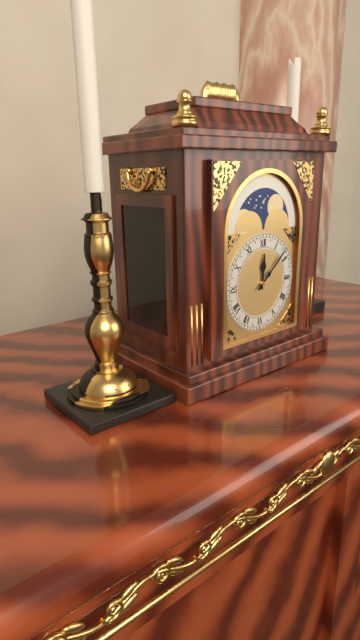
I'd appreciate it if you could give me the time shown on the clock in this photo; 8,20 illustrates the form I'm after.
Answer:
12,08
